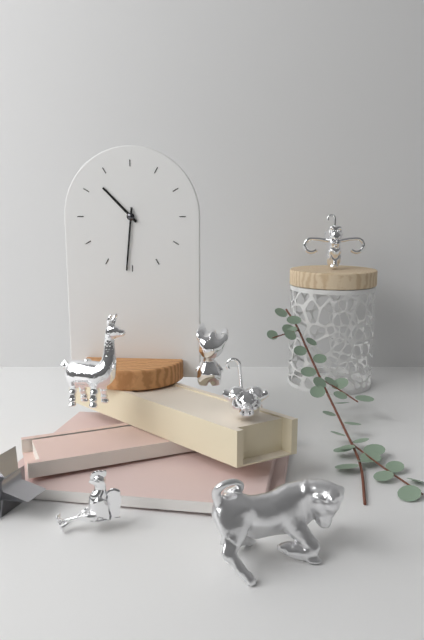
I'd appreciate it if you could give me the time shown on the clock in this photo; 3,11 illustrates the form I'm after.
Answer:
10,31
